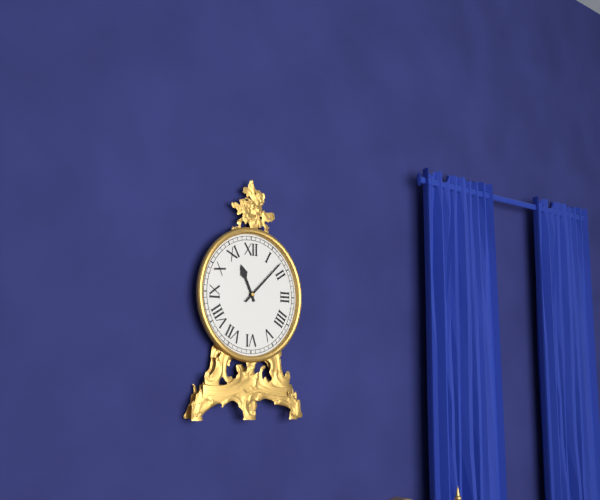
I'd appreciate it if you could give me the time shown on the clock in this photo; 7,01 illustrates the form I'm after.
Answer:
11,08
